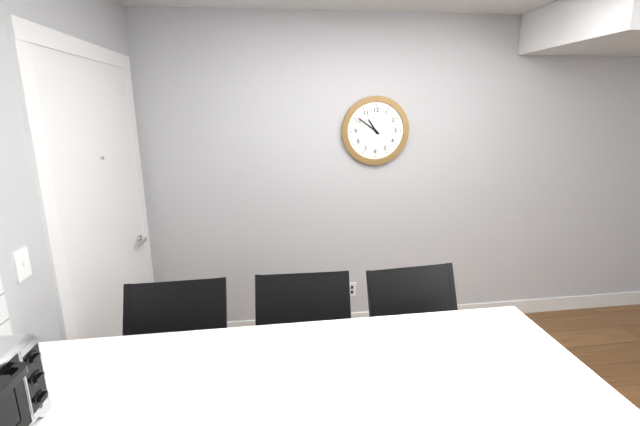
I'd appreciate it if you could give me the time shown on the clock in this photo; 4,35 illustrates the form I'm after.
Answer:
10,51
